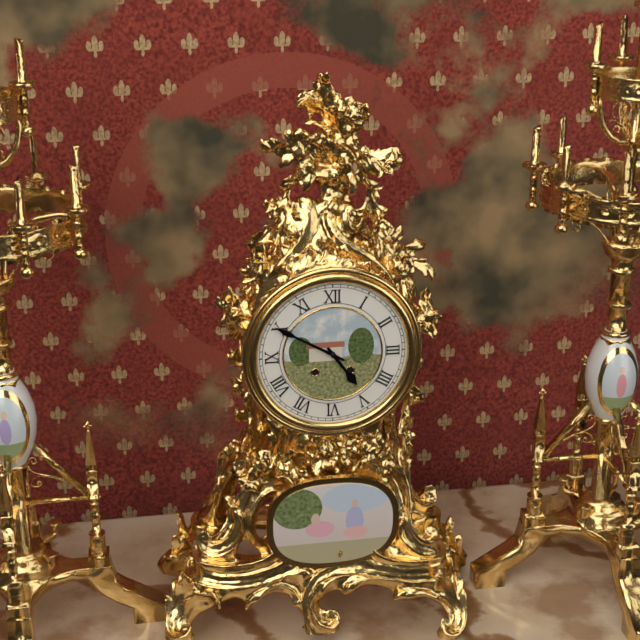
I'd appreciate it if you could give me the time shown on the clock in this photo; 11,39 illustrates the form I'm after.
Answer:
4,50
